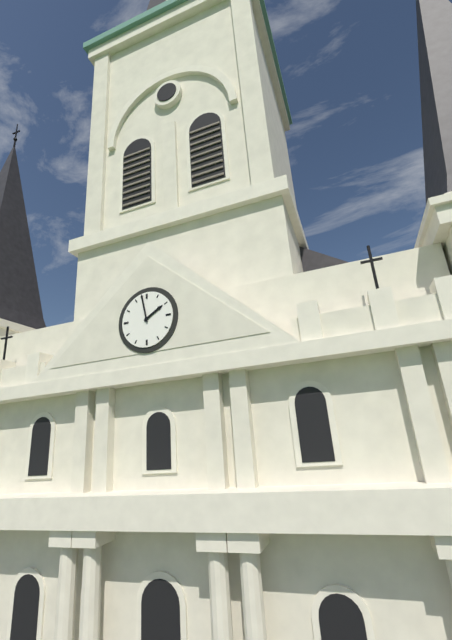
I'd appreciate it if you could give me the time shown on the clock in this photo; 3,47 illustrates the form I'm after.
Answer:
1,58
